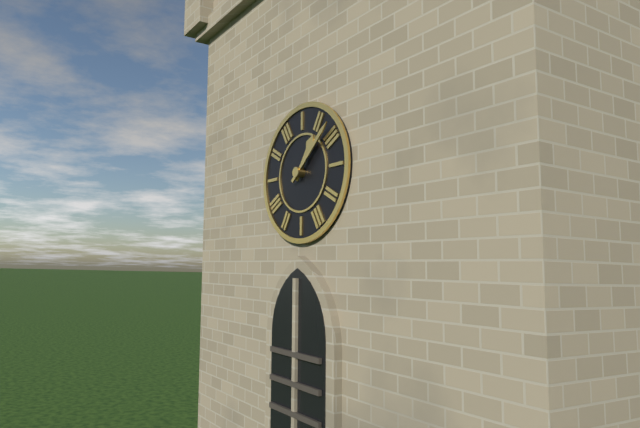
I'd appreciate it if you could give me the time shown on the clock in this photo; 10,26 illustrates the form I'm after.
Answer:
1,08
